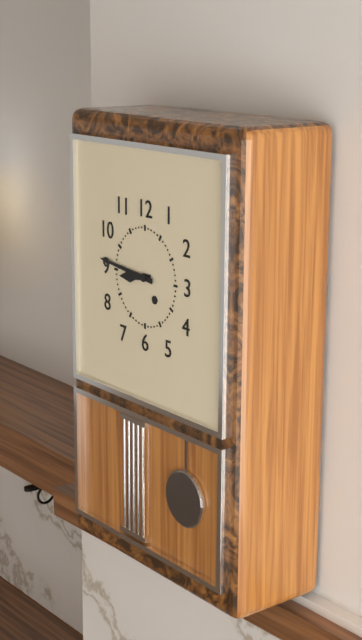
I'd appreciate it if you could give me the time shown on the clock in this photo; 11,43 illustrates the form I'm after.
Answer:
8,46
